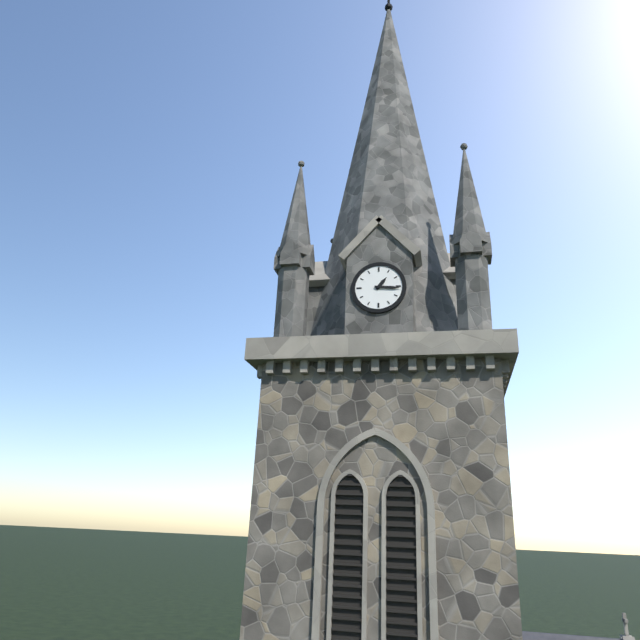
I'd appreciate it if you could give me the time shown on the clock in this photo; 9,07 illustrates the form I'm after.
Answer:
1,16
